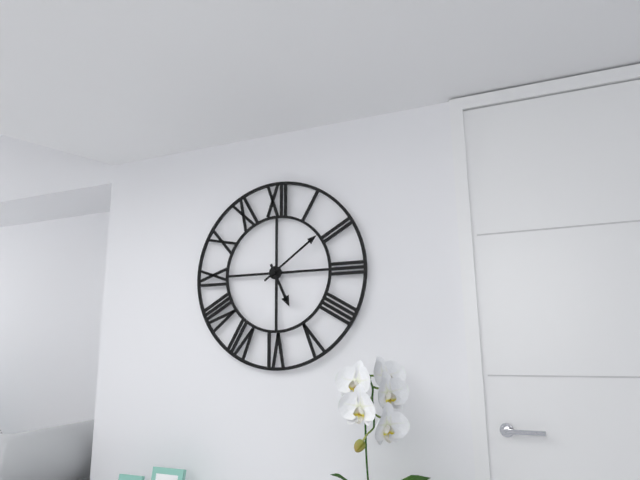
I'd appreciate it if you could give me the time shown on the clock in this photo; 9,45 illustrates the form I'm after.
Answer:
5,09
